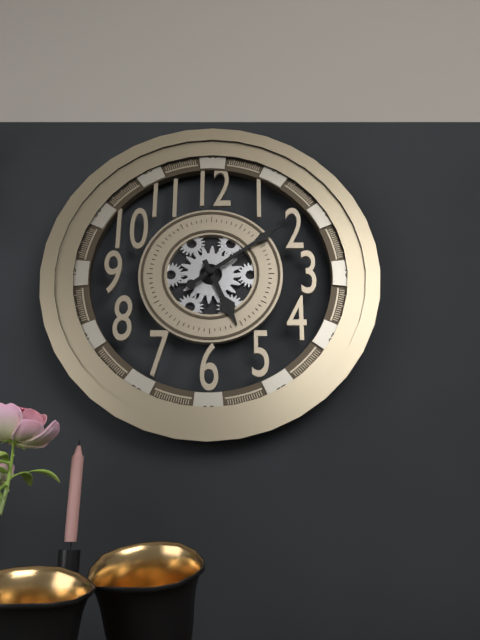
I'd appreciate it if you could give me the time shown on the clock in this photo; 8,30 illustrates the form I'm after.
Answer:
5,09
